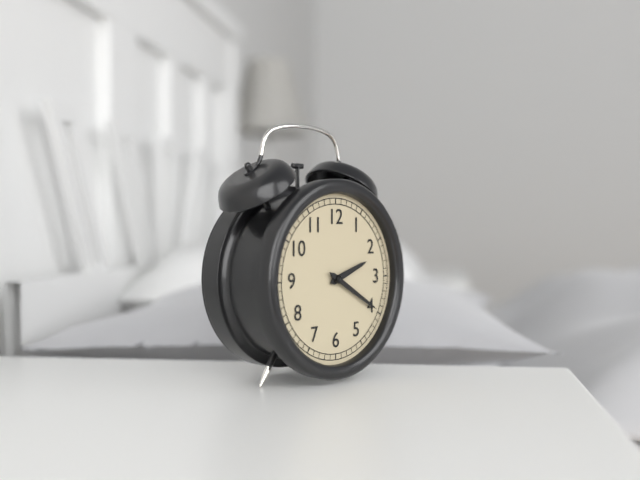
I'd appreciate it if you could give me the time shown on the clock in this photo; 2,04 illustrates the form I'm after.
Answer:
2,20
